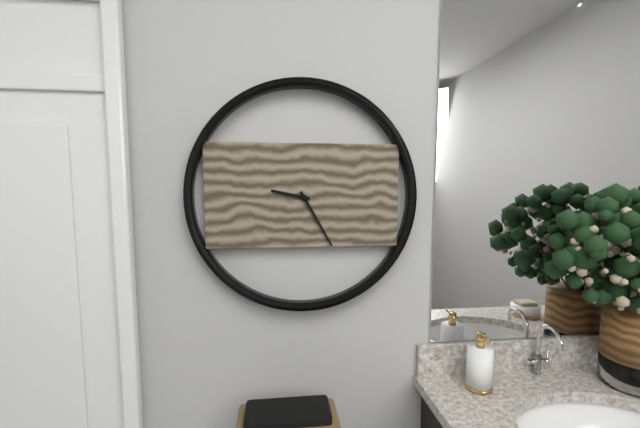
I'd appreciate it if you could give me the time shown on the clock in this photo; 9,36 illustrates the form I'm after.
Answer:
9,25
